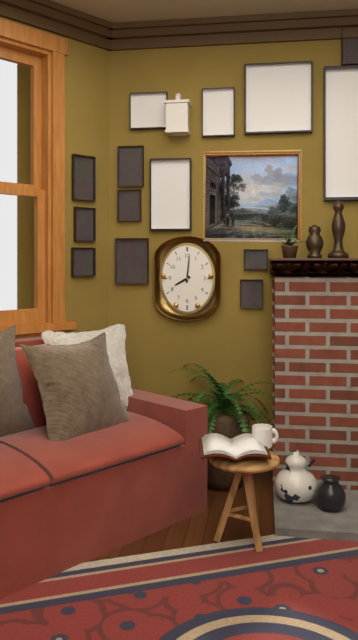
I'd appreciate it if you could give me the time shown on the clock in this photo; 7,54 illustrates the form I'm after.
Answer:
8,01
